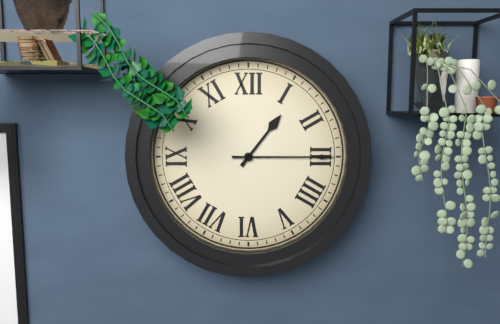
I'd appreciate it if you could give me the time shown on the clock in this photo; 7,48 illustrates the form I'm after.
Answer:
1,15
